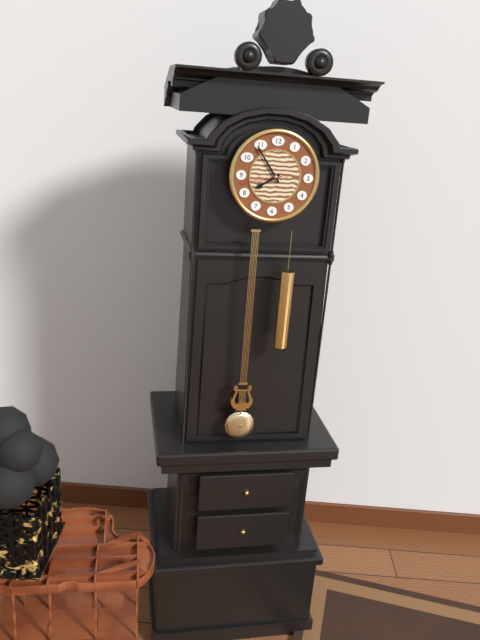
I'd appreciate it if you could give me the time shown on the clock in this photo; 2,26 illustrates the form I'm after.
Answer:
7,54
